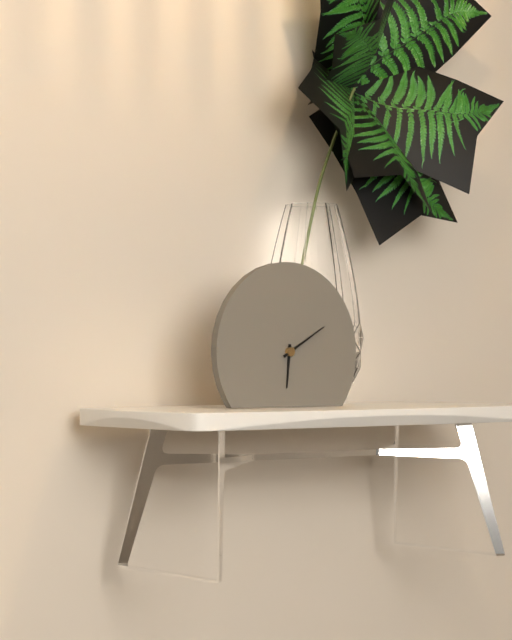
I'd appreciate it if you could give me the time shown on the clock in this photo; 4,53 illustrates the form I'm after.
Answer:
6,10
